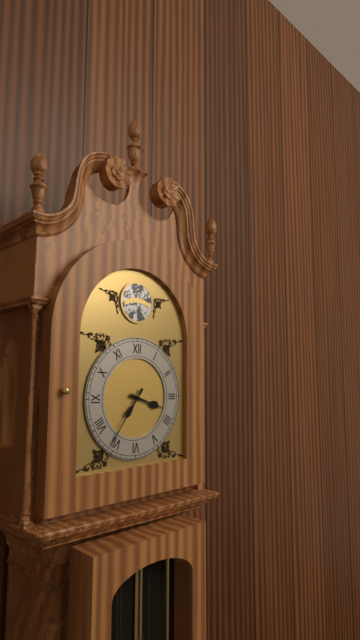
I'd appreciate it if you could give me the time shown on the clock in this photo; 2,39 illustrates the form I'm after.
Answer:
3,36
